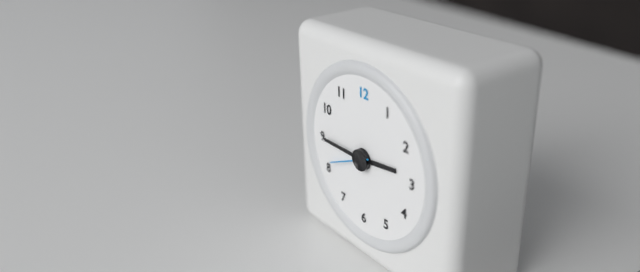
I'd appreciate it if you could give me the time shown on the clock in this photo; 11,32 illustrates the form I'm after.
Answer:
2,45
